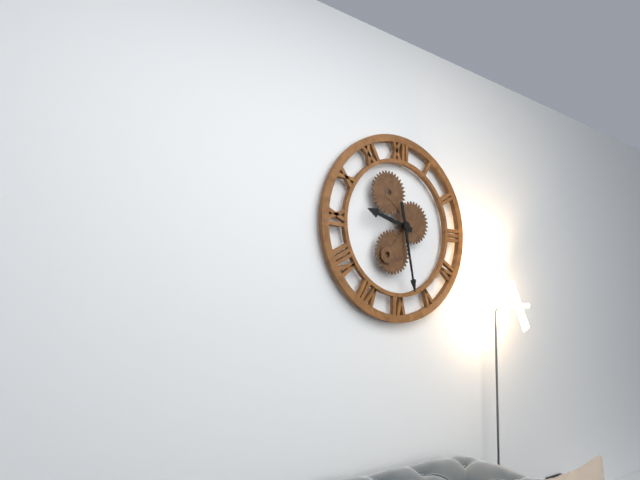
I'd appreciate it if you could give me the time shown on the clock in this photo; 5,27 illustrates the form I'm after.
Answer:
9,28
